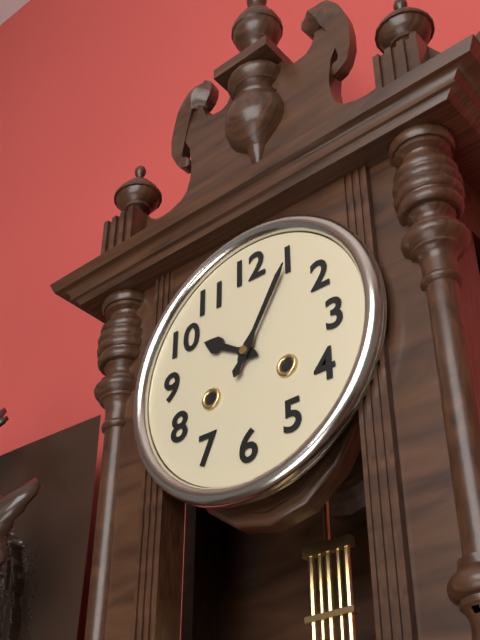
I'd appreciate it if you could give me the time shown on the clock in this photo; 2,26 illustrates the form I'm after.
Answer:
10,05
